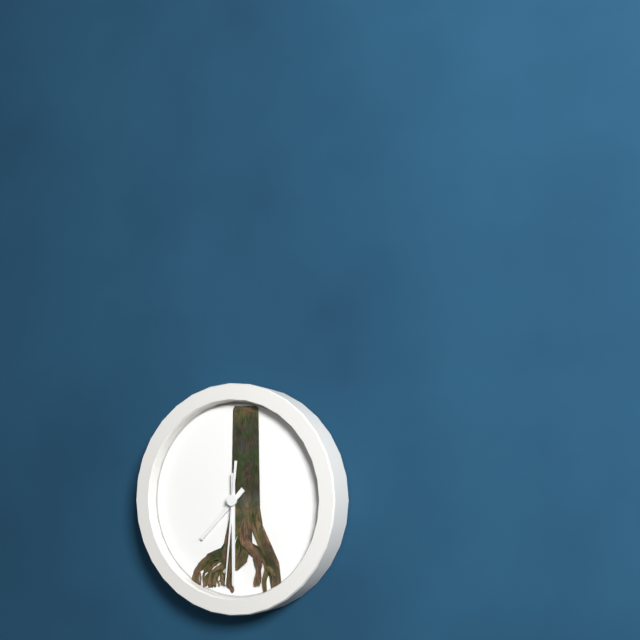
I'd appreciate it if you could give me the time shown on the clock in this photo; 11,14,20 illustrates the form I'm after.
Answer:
7,30,31
